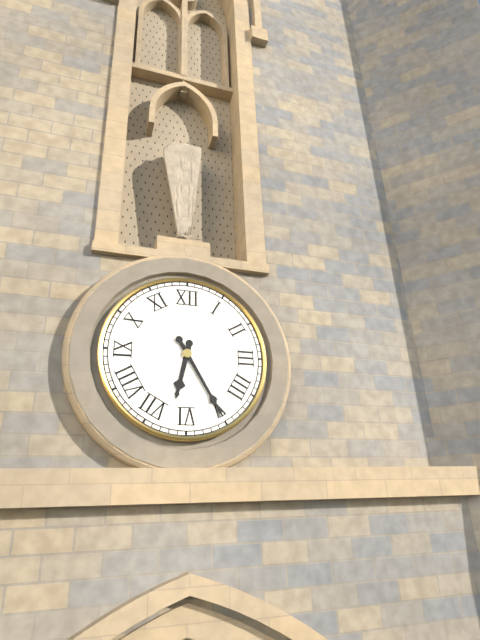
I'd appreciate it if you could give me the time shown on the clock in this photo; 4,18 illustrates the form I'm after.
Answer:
6,25
